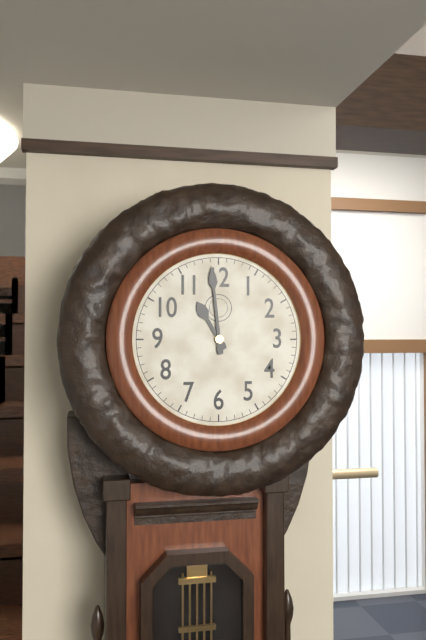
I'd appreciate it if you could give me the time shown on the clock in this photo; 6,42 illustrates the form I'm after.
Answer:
10,59
